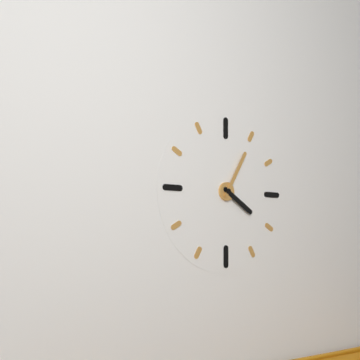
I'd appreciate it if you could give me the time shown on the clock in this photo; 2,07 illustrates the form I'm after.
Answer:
4,05
